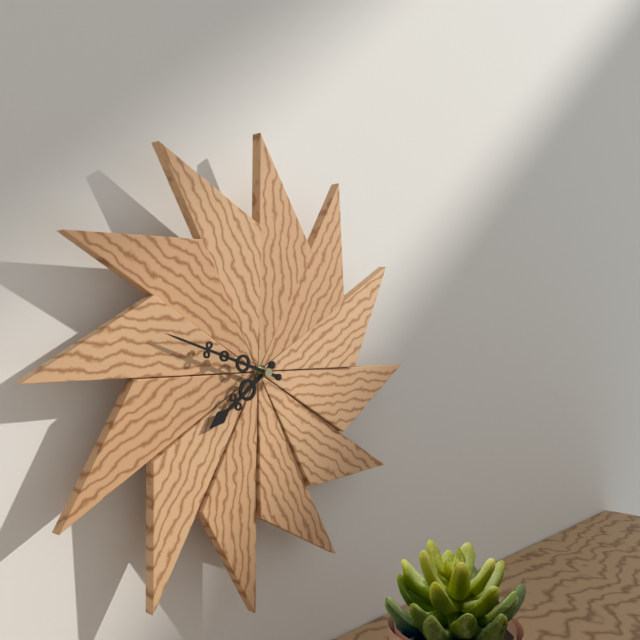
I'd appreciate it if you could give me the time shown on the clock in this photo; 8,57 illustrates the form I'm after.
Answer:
7,48
